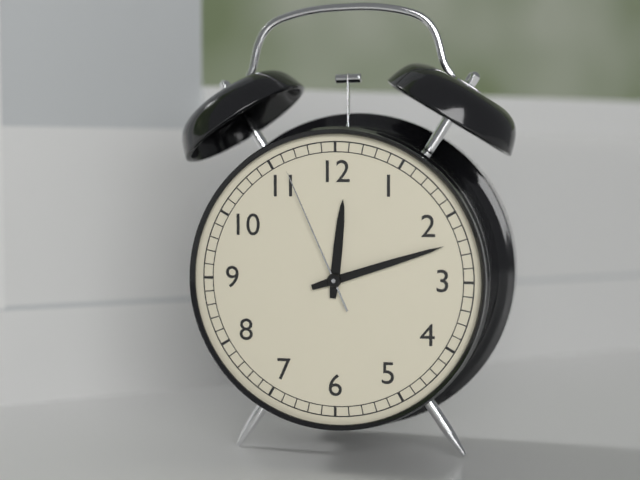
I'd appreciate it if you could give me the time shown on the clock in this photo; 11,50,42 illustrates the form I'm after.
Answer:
12,12,56
